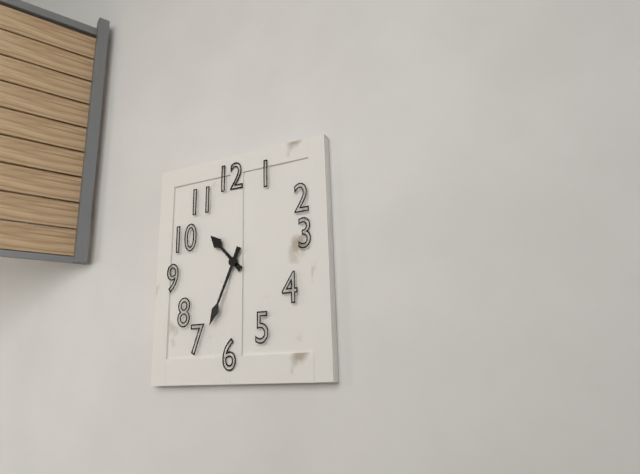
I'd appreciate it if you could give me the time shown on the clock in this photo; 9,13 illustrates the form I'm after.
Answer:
10,34
